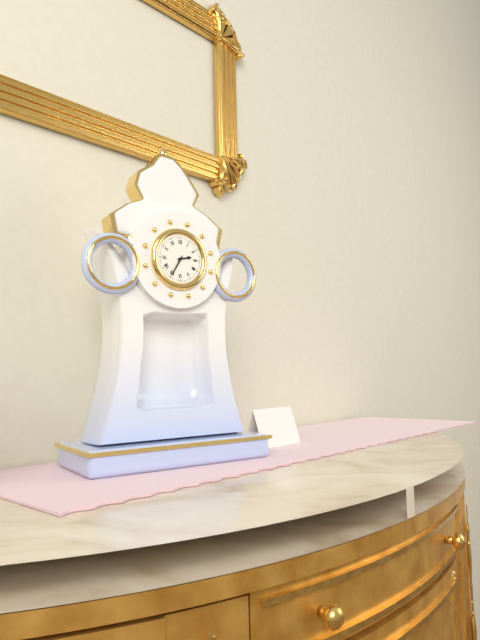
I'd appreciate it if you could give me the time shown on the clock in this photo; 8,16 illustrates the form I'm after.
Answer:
2,35
